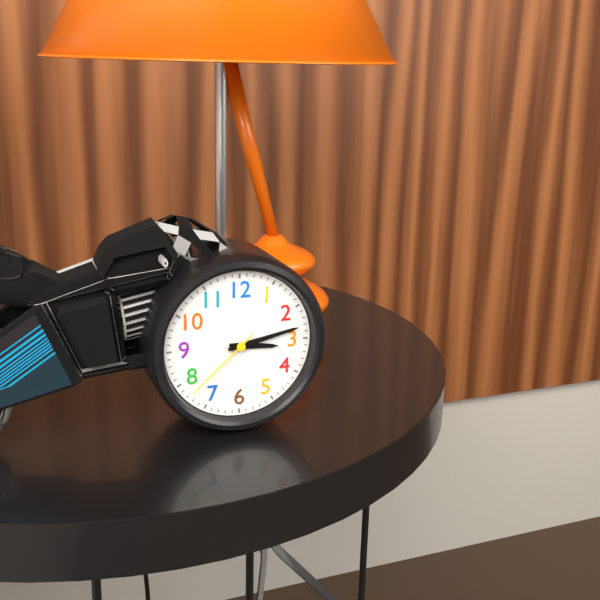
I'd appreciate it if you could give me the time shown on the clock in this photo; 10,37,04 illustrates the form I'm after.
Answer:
3,13,38
